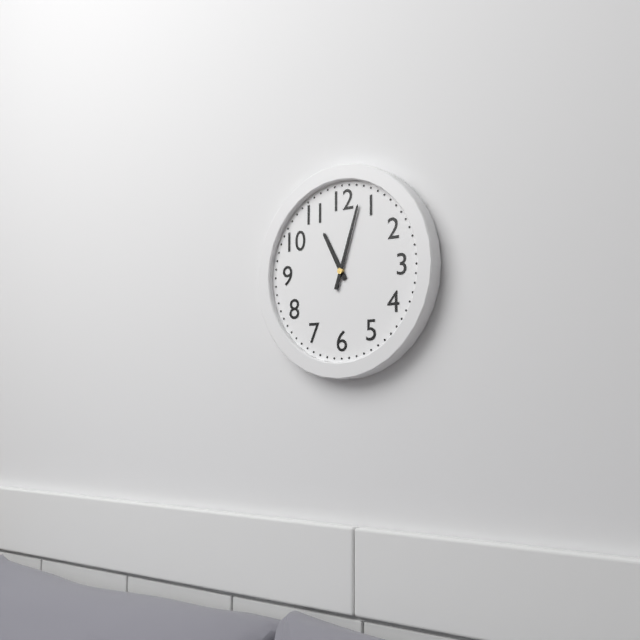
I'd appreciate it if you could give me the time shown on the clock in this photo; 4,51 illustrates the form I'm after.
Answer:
11,03
